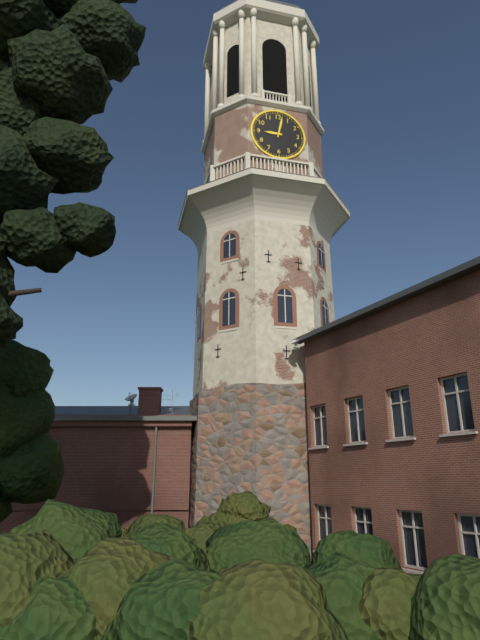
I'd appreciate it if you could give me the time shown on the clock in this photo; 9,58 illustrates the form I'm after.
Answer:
9,02
